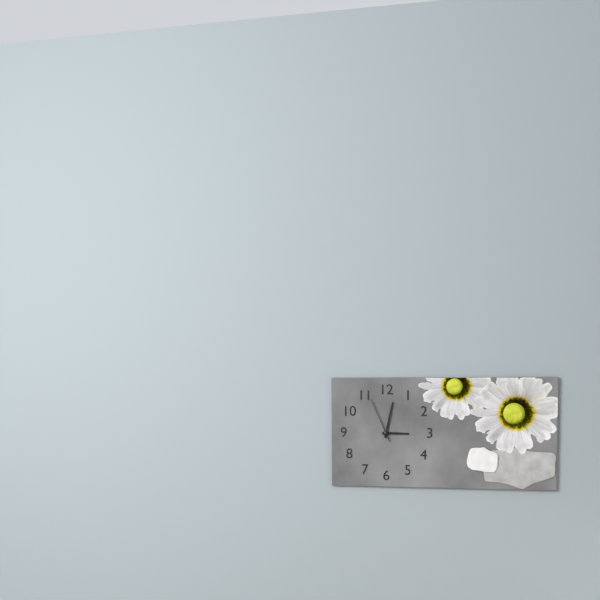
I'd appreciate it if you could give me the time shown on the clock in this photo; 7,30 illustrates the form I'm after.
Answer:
3,02
